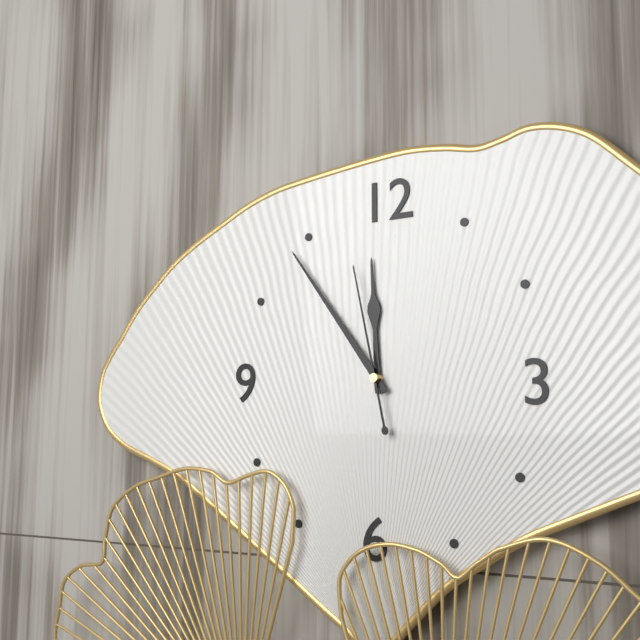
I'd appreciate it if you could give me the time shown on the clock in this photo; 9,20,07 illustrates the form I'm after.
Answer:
11,54,58
